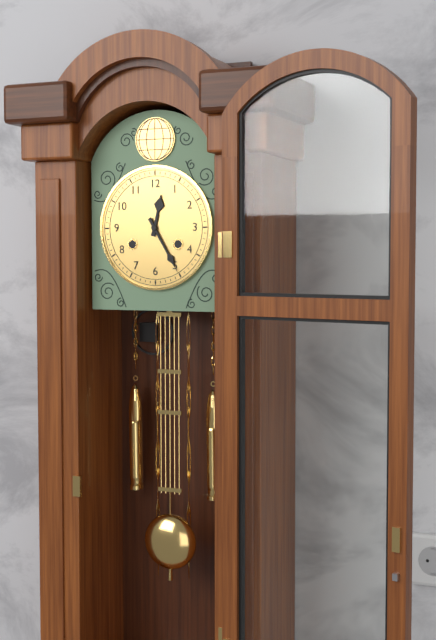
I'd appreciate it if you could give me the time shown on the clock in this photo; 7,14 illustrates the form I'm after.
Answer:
12,25
